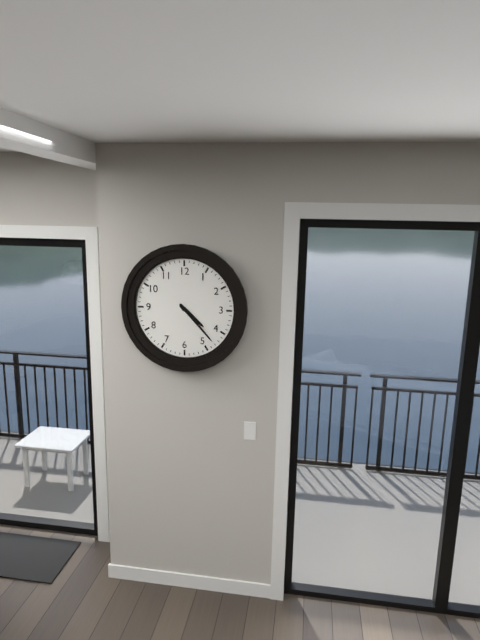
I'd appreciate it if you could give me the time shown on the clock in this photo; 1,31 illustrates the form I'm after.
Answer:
4,23
